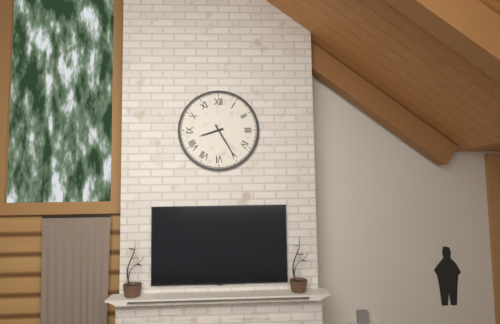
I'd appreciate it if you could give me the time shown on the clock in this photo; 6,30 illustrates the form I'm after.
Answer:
8,25
